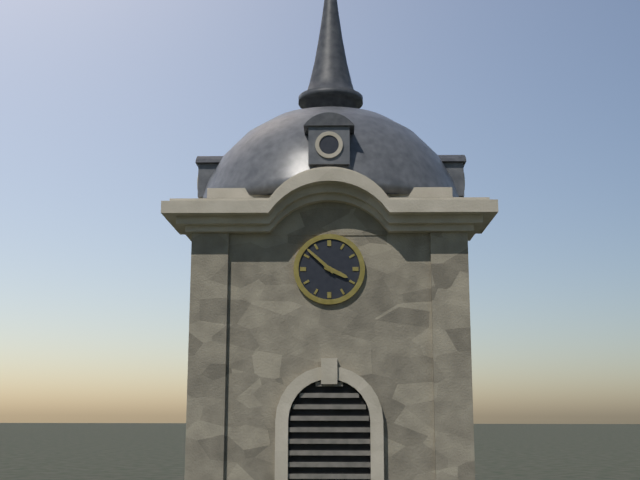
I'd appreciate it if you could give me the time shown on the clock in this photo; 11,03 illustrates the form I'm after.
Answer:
3,52
